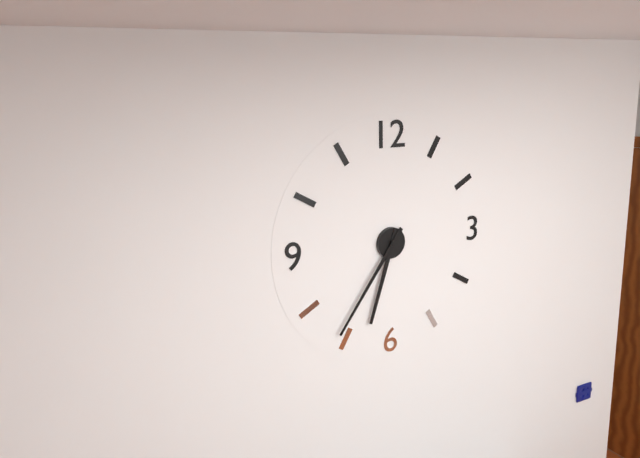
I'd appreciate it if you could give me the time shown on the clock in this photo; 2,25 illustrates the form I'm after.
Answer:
6,36
